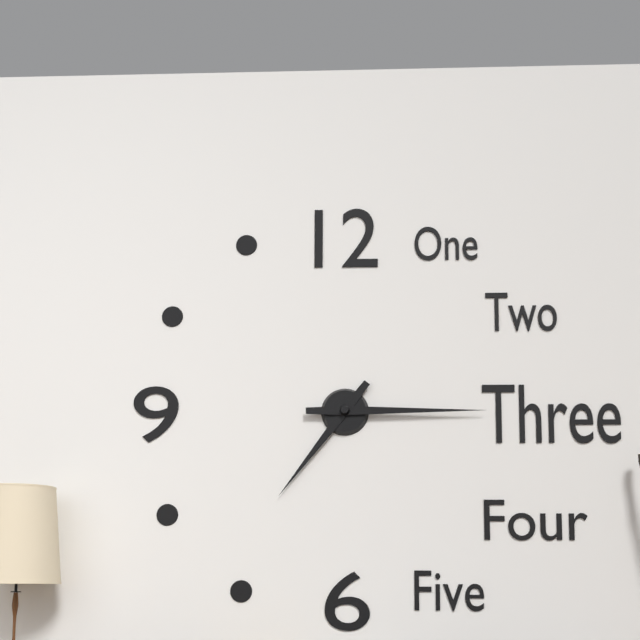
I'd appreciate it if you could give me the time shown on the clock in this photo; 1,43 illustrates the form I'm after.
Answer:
7,15
